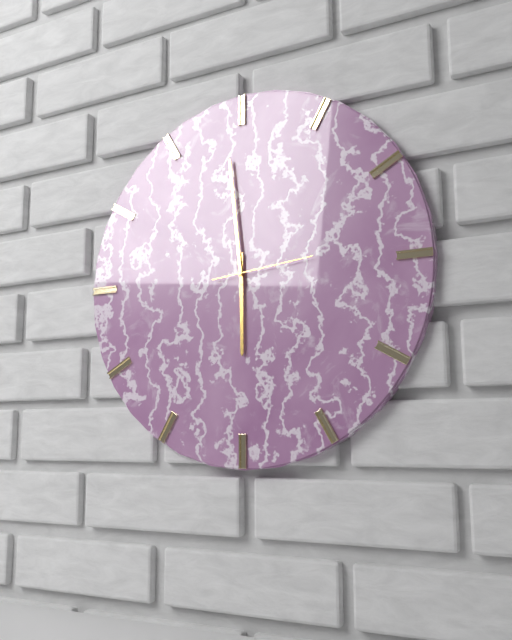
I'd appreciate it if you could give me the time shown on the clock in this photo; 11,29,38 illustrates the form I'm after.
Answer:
5,59,14
